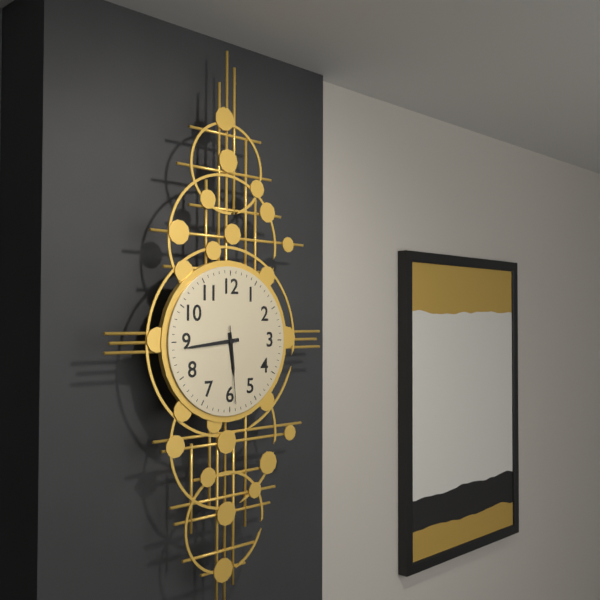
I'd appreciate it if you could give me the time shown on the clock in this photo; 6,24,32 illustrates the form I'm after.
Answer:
5,44,29
